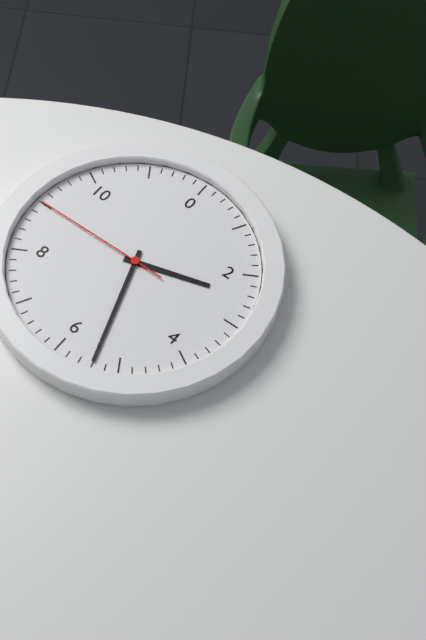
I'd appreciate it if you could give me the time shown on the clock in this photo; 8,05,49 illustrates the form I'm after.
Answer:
2,27,45
